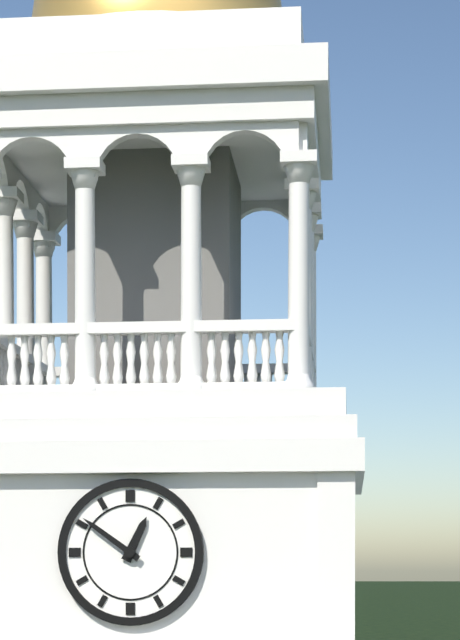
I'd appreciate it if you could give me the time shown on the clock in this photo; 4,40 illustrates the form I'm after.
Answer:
12,51
